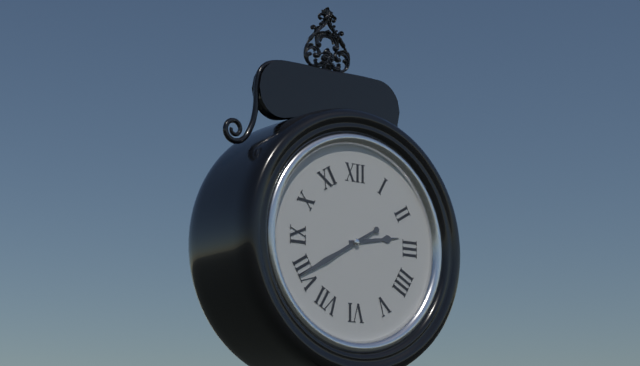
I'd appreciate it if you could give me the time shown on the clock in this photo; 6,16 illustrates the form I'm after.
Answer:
2,40
